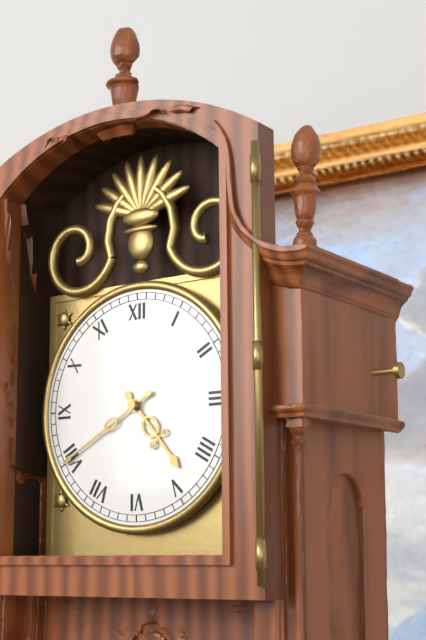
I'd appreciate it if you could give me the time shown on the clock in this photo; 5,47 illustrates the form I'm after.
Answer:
4,40
